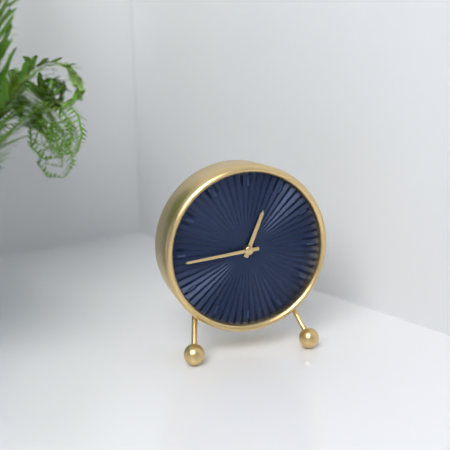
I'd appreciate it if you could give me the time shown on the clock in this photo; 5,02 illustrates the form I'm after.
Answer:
12,44
